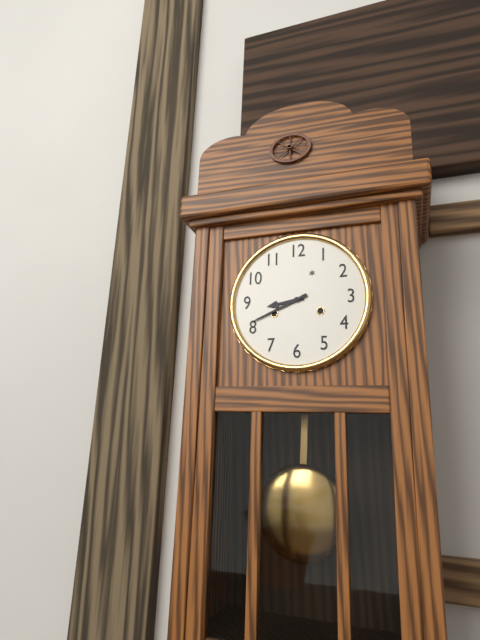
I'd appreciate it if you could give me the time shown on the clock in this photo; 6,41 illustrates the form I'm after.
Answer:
8,41
